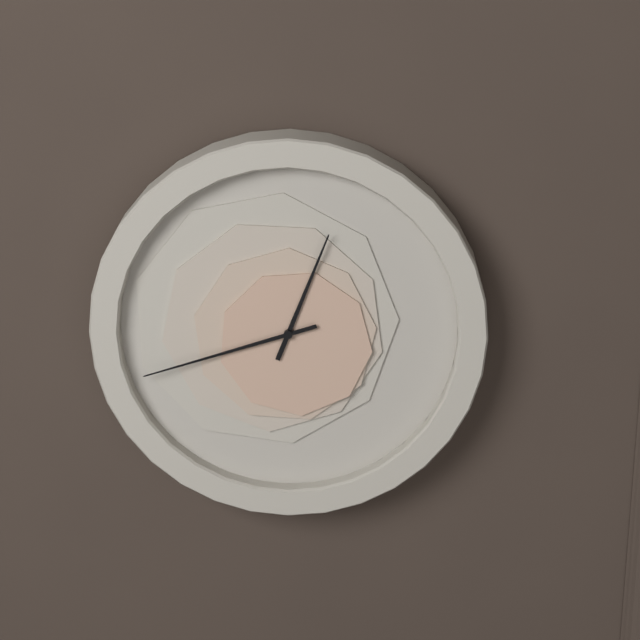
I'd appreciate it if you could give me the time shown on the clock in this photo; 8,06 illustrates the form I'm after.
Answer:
12,42
